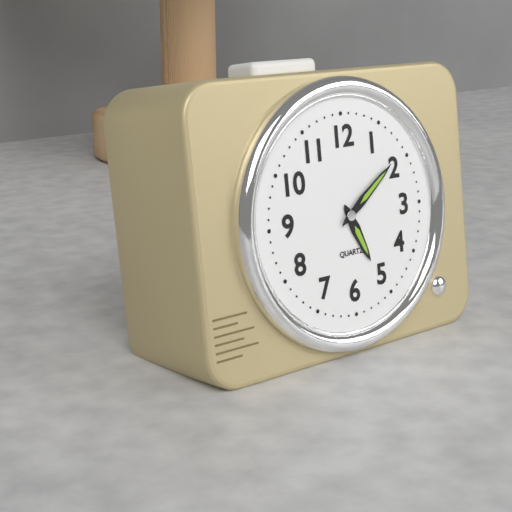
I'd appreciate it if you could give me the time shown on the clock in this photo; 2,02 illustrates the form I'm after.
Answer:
5,09
